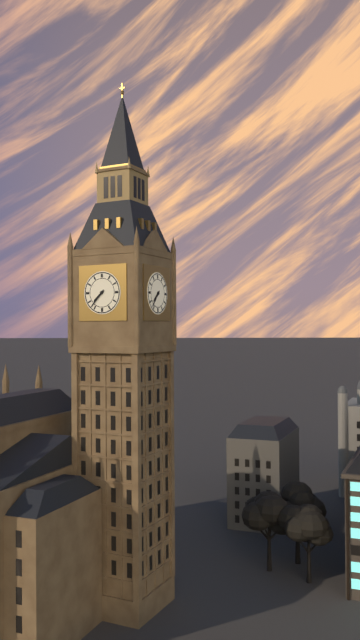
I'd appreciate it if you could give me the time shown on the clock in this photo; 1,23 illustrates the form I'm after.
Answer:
7,37
